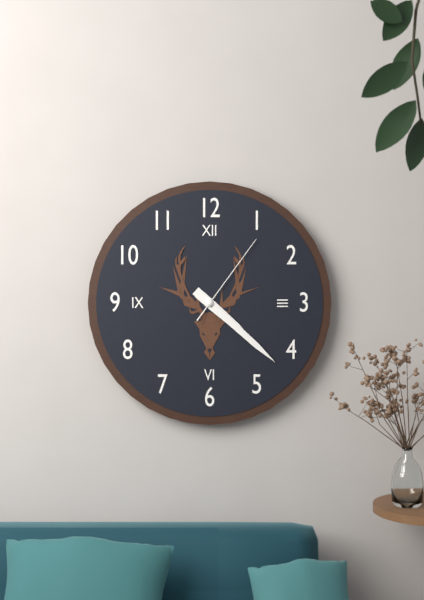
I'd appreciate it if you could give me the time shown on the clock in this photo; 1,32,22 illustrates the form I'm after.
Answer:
4,22,06
